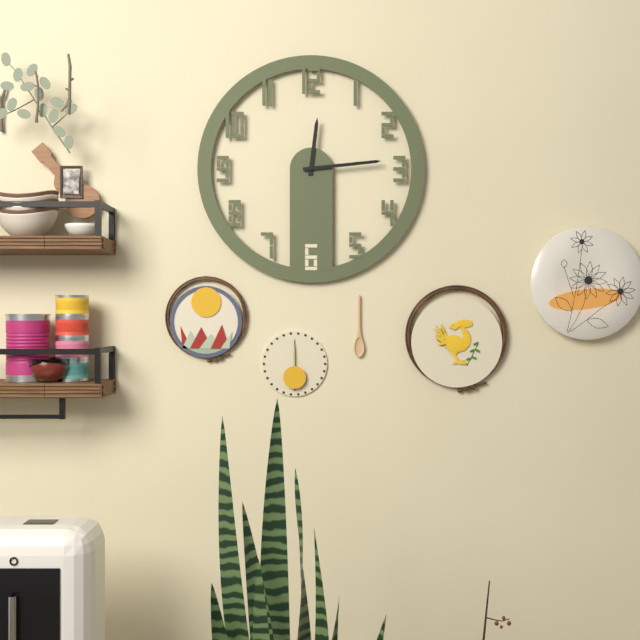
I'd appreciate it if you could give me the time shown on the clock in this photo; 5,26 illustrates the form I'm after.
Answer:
12,14
